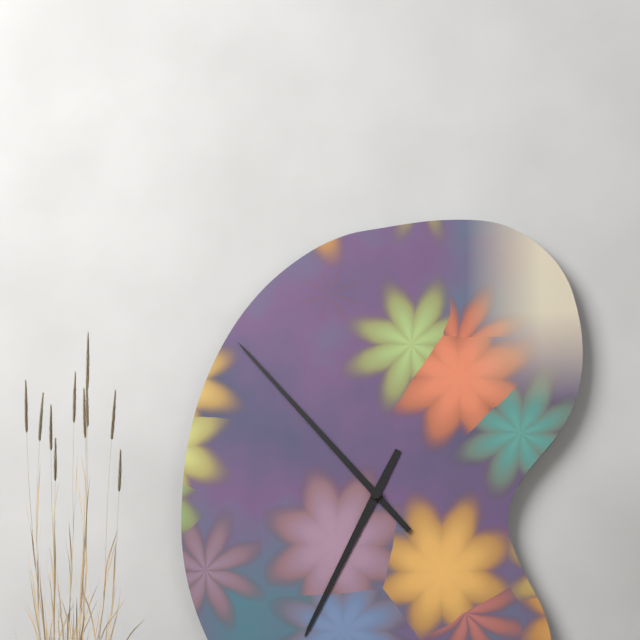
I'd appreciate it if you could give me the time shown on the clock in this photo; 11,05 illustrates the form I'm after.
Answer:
6,53
